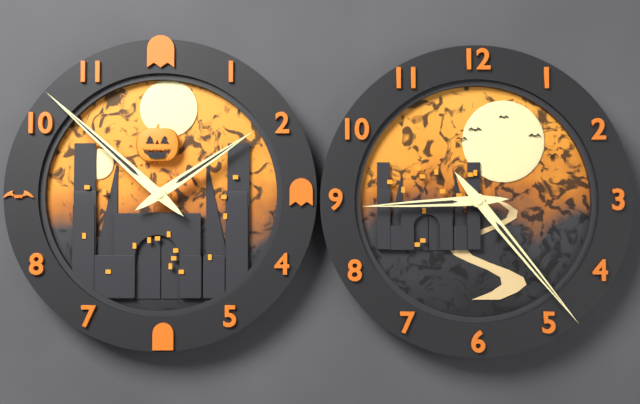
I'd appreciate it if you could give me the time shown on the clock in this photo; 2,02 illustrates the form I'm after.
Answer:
1,52
